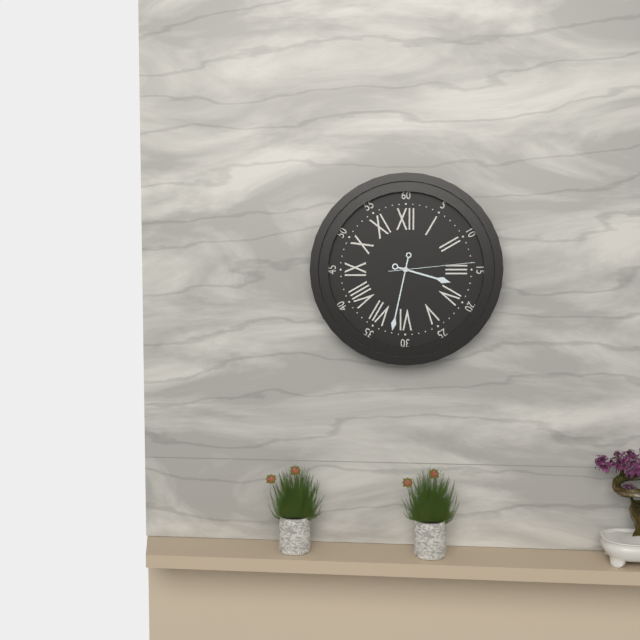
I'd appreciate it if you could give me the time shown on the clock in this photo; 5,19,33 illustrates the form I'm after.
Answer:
3,32,14
